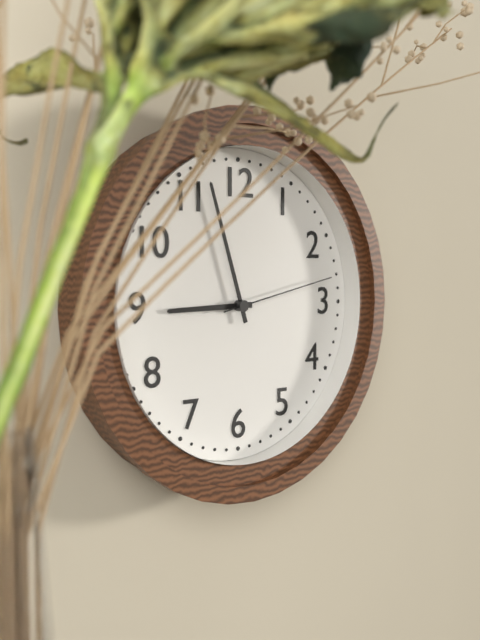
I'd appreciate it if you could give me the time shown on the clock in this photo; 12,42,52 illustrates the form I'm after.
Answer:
8,57,13
